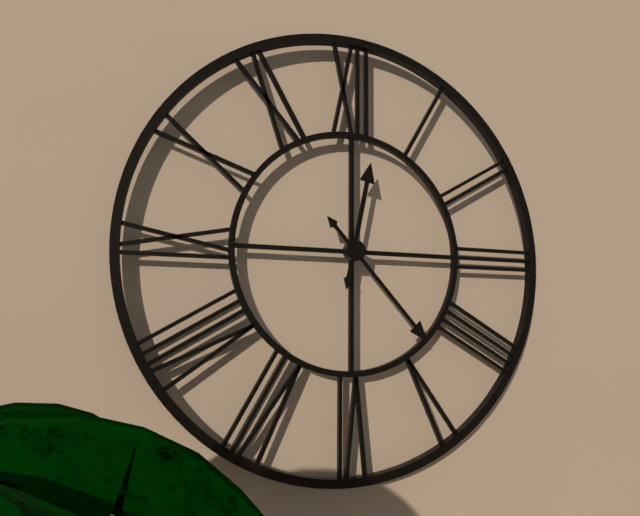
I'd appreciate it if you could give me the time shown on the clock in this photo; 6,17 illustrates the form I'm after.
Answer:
12,23
